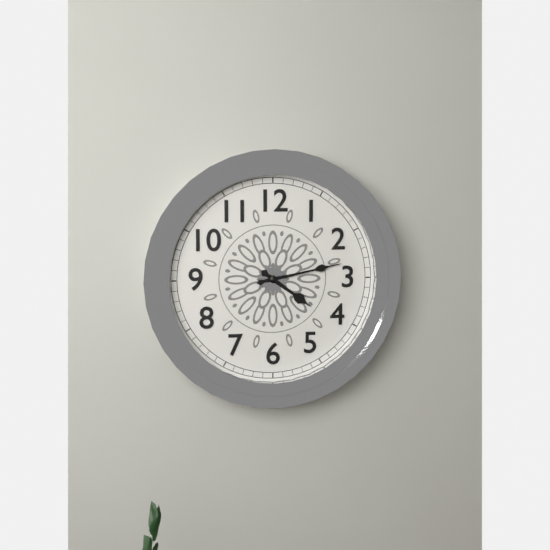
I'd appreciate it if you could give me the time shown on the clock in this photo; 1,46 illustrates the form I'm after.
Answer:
4,13
